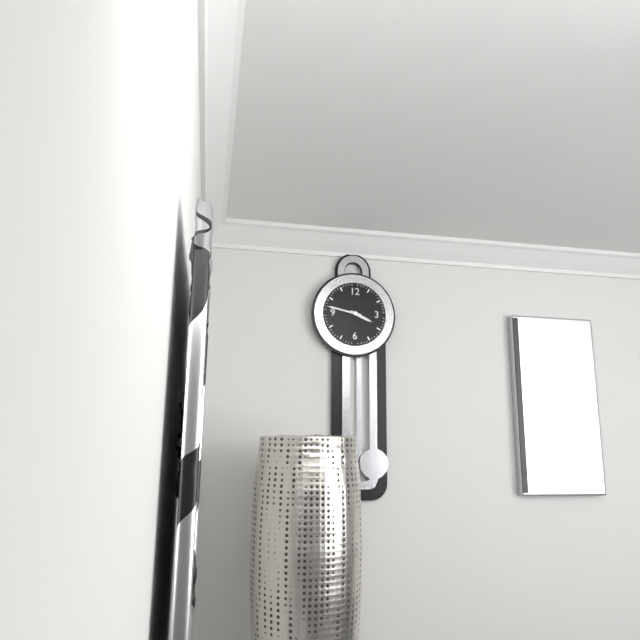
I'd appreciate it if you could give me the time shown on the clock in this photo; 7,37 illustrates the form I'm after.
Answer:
3,47
